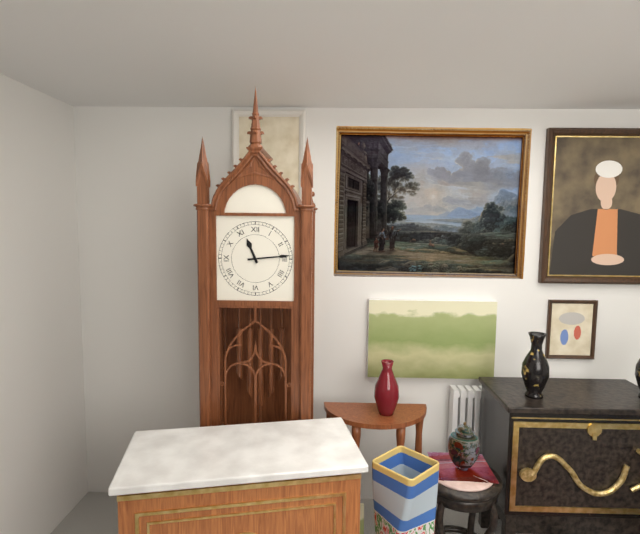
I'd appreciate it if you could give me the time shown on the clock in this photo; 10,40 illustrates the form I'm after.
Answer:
11,14
